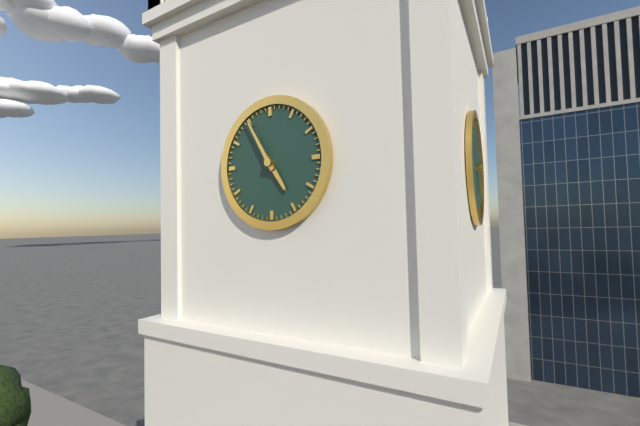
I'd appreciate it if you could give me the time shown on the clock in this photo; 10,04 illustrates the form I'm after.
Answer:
4,55
